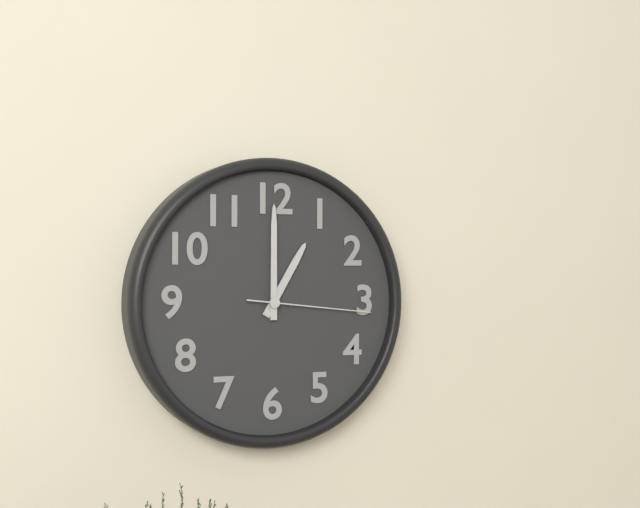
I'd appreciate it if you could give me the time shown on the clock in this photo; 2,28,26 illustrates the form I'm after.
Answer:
1,00,16
